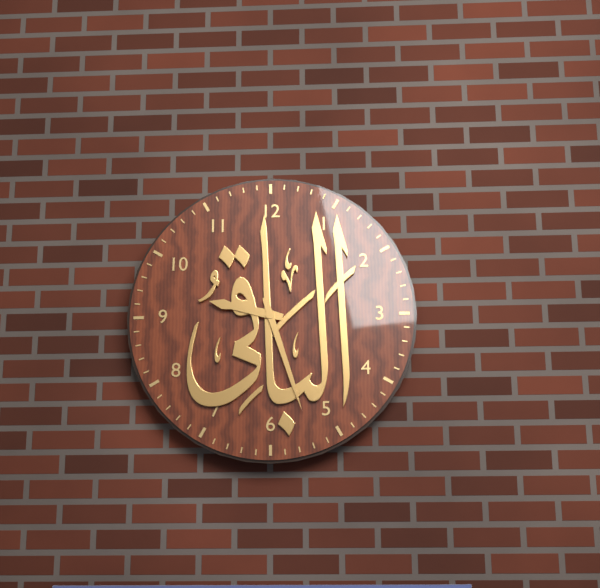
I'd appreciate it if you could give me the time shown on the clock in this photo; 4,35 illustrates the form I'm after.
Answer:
9,27
